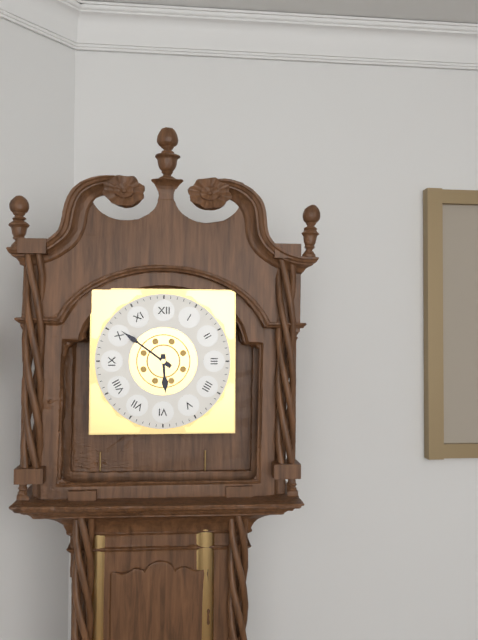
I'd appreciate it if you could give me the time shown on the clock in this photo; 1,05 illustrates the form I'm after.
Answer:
5,51
